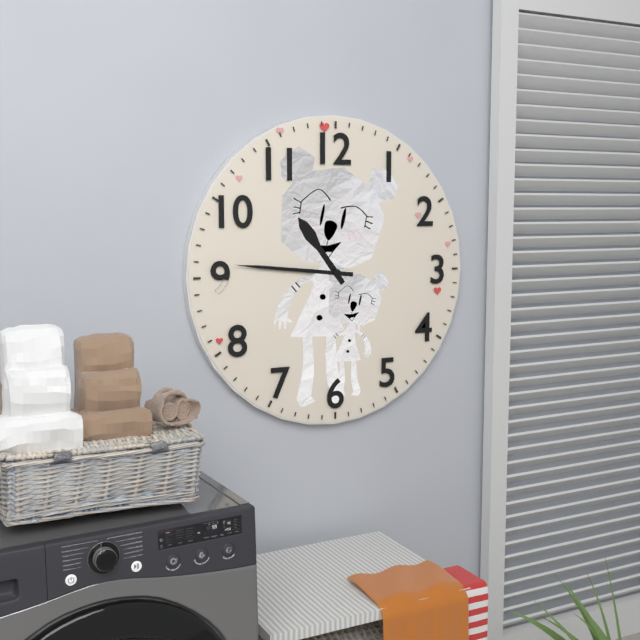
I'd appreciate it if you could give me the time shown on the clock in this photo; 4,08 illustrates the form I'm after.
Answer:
10,46
